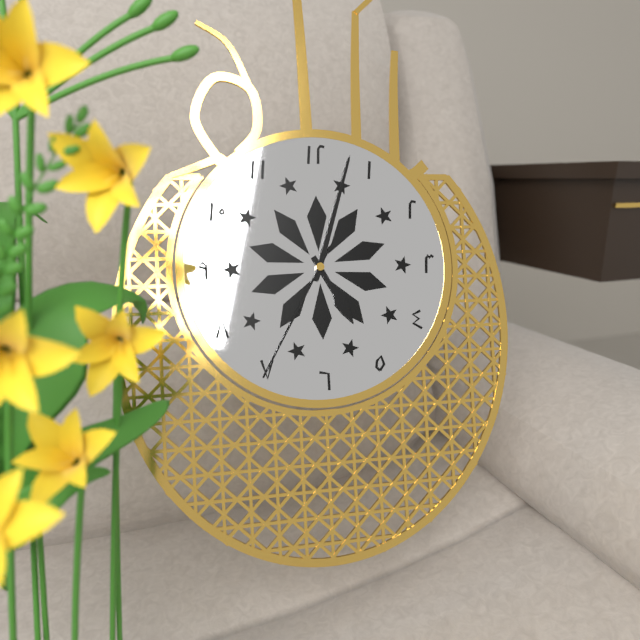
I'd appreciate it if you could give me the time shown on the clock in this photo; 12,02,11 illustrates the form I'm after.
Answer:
5,03,35
